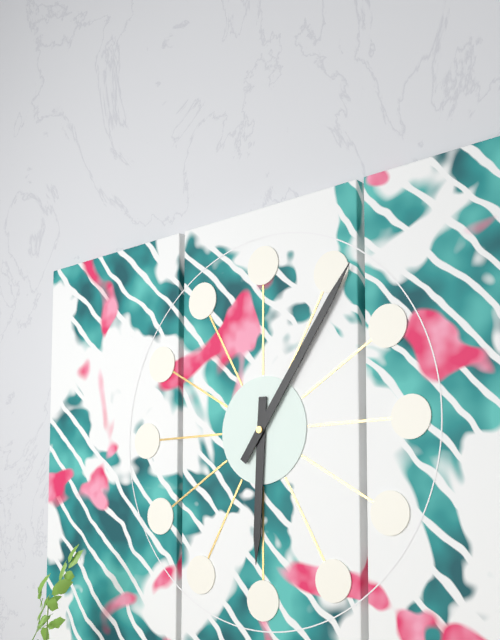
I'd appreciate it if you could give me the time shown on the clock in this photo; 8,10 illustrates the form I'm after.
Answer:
6,06
